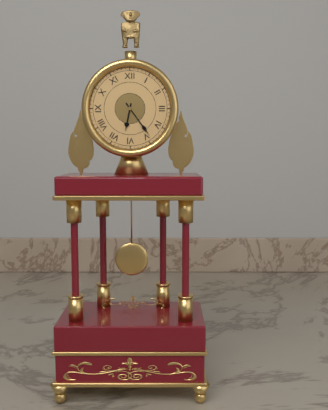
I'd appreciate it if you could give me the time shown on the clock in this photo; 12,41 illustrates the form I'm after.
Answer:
6,24
